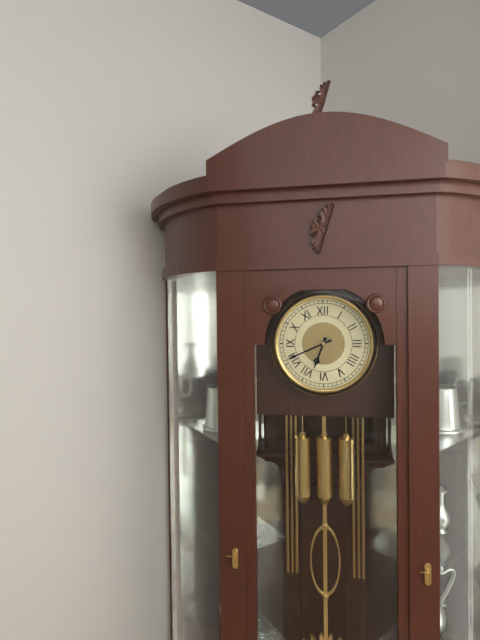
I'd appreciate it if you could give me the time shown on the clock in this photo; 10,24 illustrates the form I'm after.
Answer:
6,41
